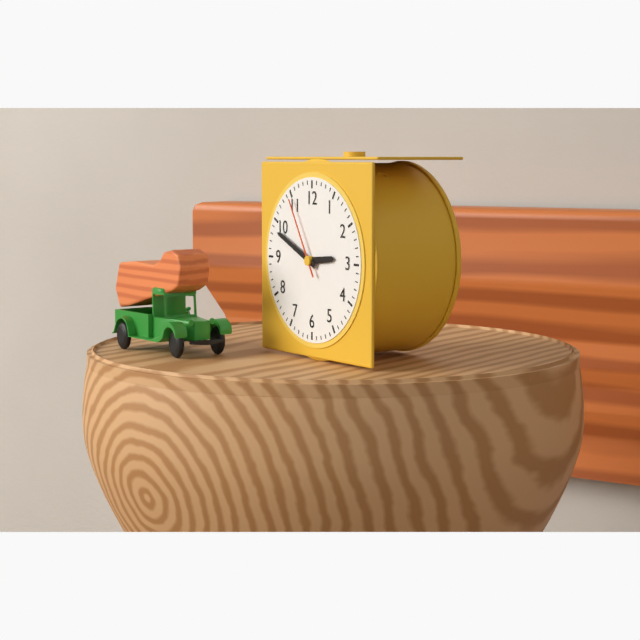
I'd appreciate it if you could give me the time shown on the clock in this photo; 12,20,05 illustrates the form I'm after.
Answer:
2,49,55
